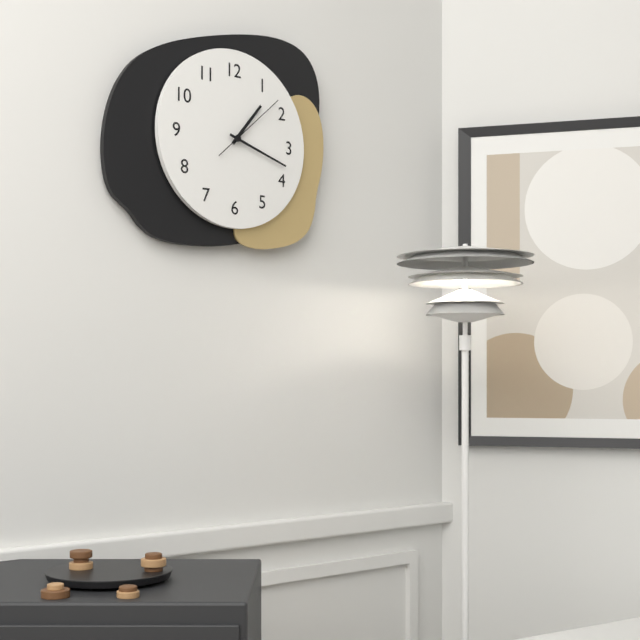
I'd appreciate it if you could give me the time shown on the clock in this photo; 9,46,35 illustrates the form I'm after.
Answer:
1,18,08
